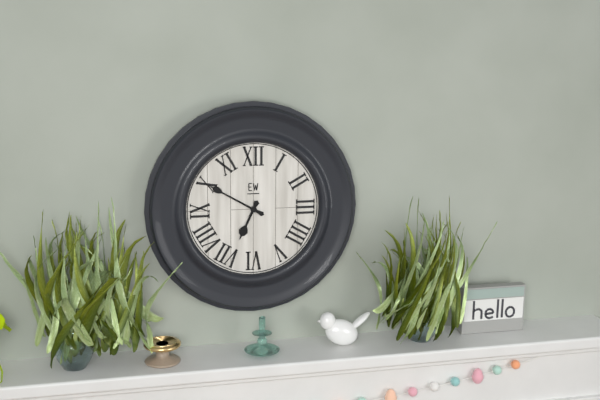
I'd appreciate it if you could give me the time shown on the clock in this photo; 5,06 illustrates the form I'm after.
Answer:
6,50
